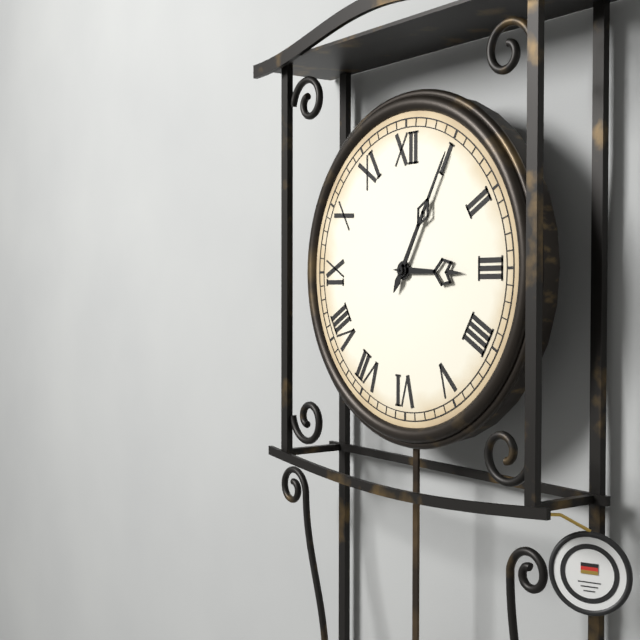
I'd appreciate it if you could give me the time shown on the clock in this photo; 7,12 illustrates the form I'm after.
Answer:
3,05
